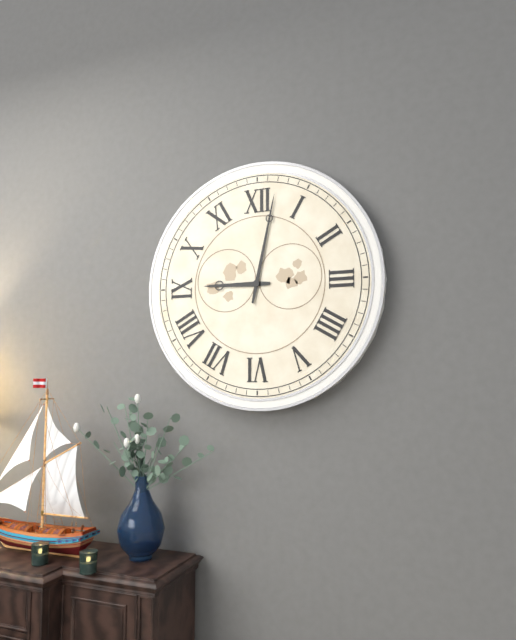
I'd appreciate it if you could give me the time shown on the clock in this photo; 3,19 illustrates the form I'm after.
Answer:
9,02
